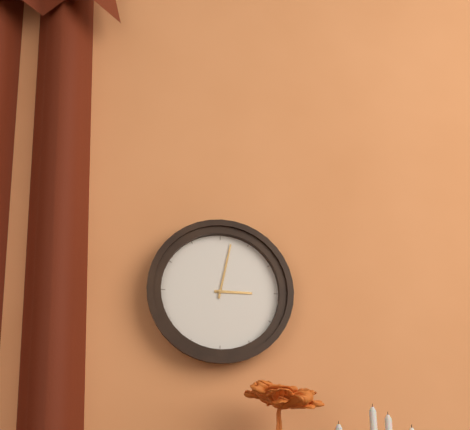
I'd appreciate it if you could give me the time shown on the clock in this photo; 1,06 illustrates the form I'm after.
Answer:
3,02
